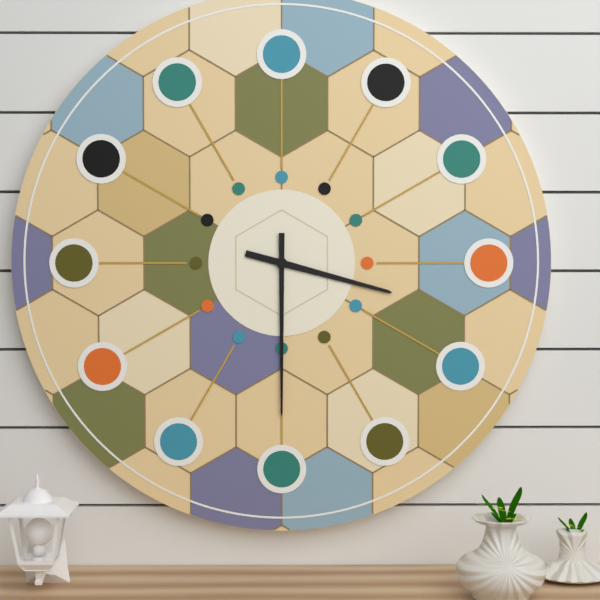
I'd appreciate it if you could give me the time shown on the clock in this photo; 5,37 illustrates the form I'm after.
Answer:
3,30
